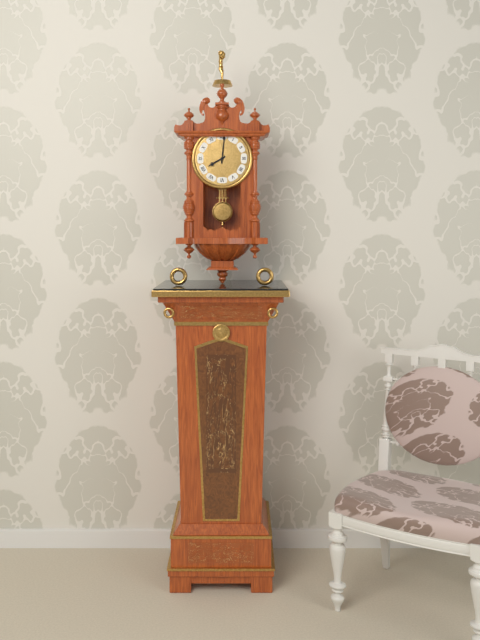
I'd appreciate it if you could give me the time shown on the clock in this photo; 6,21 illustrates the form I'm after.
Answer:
8,01
